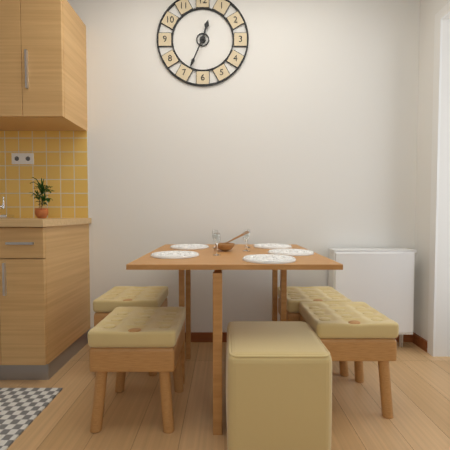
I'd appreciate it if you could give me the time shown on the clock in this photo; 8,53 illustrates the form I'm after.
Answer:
12,34
